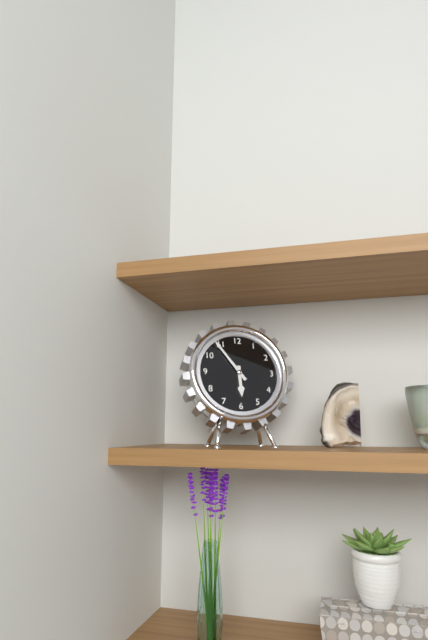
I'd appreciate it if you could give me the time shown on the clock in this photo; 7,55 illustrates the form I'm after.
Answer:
5,54
